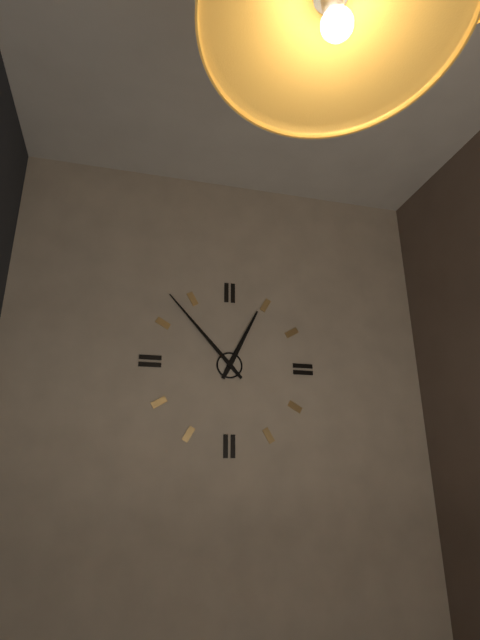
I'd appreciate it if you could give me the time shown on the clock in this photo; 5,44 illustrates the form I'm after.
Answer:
12,53
